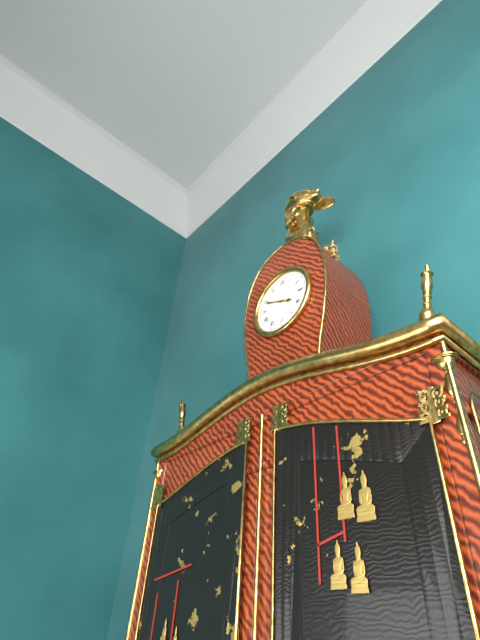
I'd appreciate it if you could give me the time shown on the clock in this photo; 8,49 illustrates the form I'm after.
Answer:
3,49
